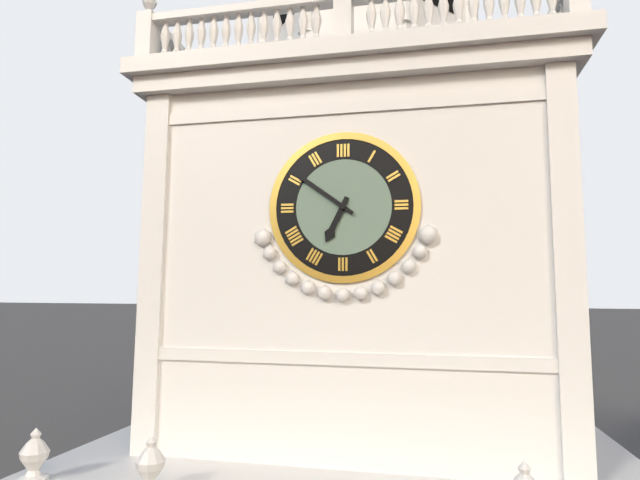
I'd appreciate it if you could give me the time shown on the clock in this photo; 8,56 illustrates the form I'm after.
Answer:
6,51
